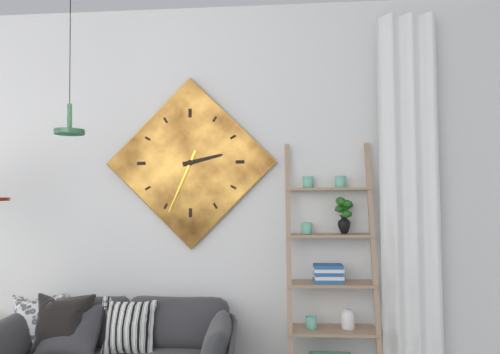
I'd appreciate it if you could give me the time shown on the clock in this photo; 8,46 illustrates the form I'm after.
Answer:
2,34
